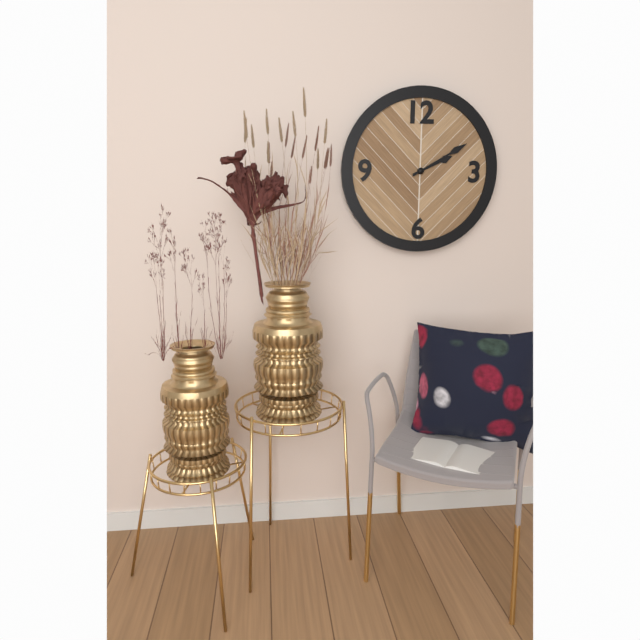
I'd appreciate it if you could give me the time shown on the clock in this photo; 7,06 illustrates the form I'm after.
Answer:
2,10
